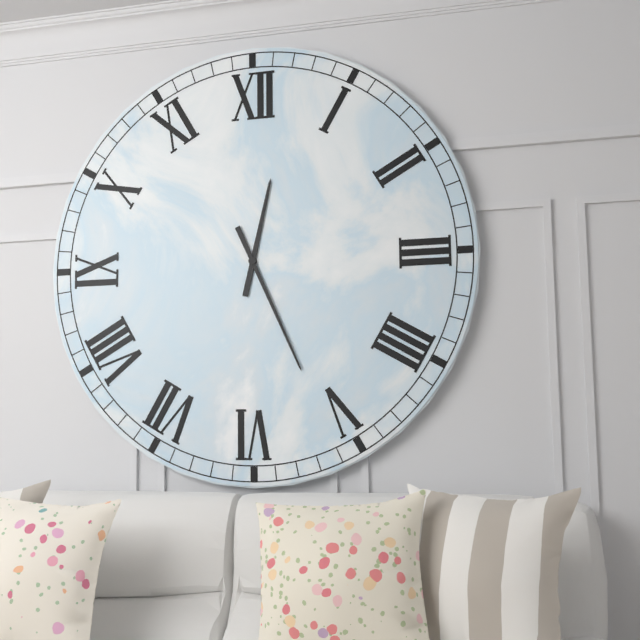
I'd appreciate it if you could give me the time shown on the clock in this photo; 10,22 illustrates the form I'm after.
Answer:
12,26
